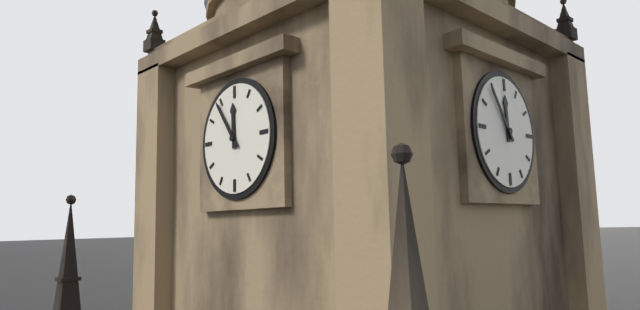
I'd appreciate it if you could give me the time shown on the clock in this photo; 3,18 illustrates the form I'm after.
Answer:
11,54
